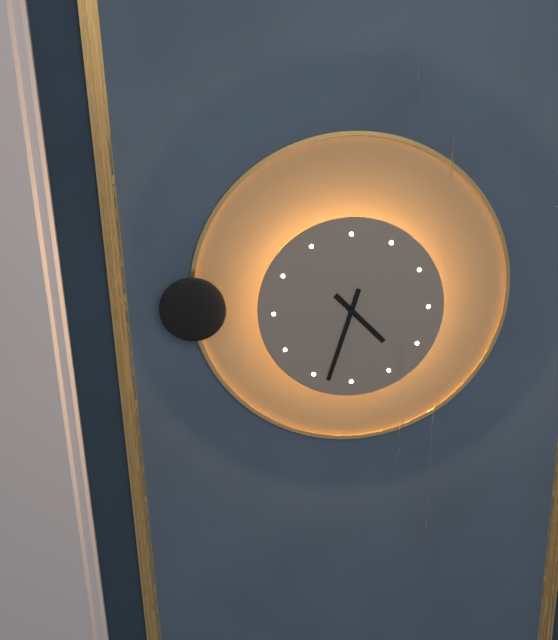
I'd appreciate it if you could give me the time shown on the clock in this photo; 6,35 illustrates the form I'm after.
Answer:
4,33
